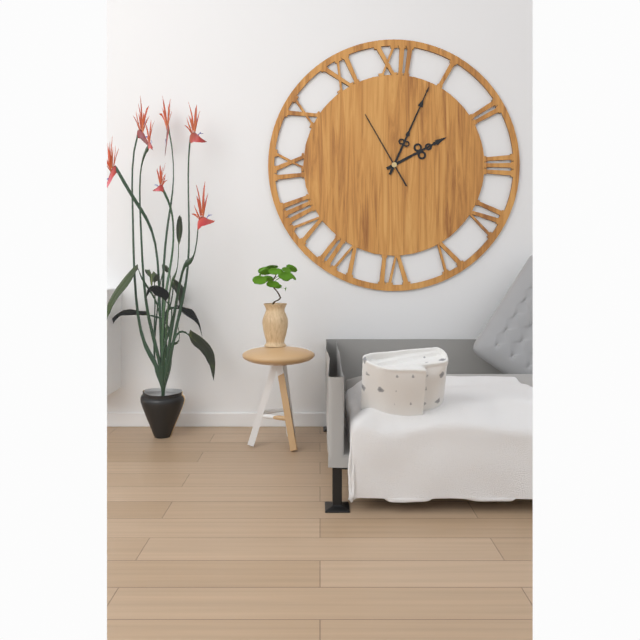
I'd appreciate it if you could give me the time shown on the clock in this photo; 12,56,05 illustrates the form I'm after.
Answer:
2,04,55
